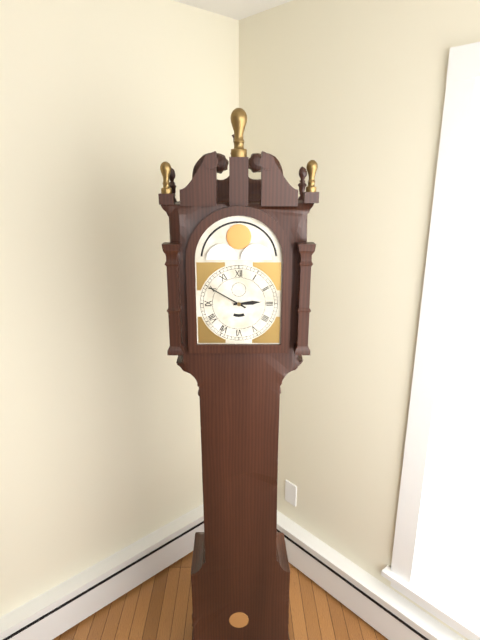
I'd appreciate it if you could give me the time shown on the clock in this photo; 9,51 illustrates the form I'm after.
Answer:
2,50
